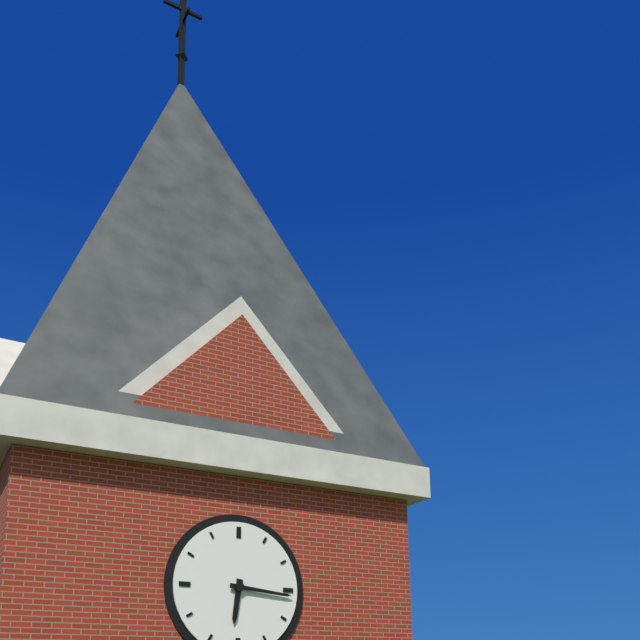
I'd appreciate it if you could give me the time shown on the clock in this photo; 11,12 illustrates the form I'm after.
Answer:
6,16
